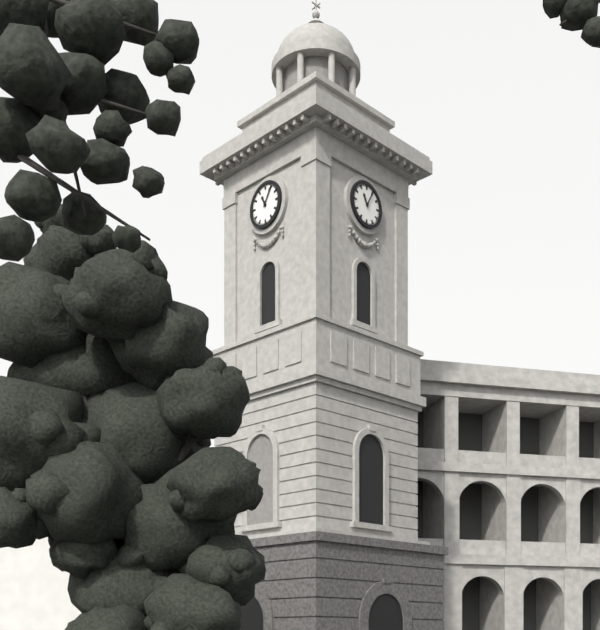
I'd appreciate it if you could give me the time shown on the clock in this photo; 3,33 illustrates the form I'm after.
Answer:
11,05
